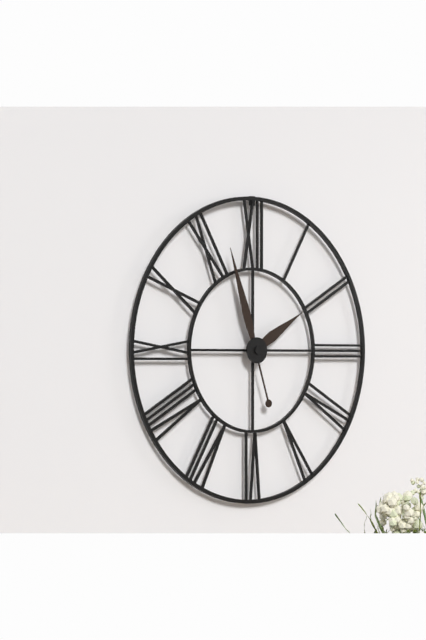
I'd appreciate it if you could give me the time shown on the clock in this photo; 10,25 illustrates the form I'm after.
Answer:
1,57
